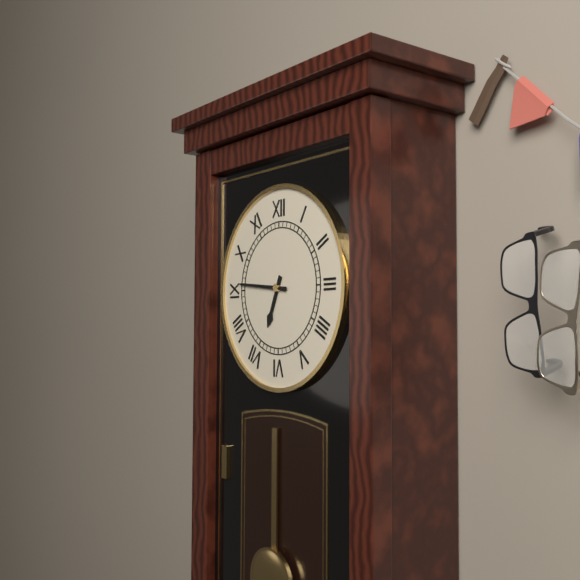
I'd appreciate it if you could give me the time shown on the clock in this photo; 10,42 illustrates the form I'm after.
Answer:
6,46
